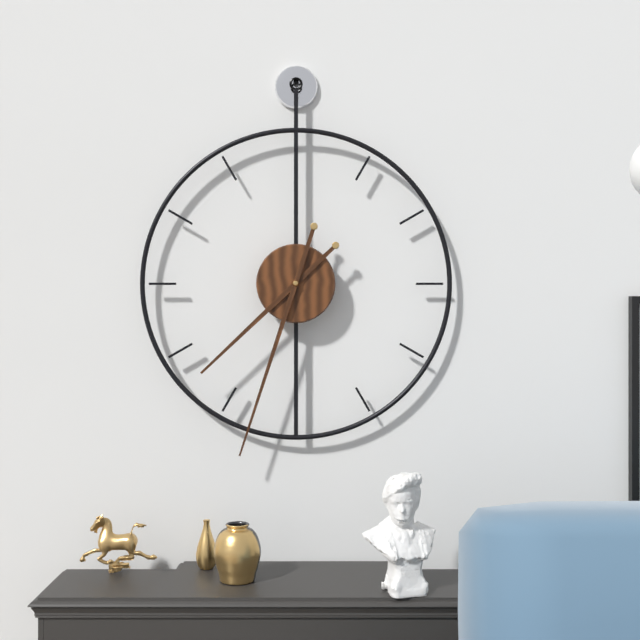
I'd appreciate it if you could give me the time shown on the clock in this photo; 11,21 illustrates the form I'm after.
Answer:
7,33
